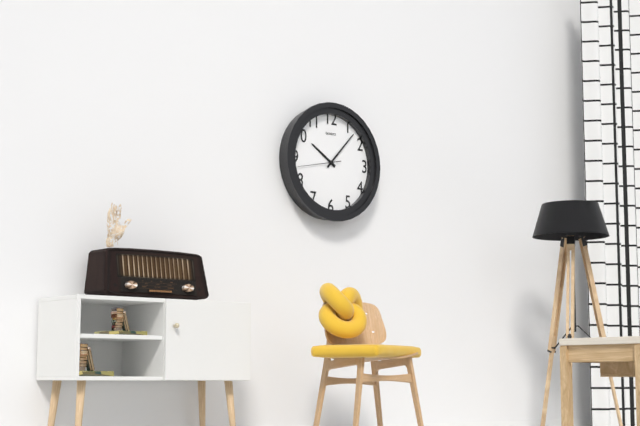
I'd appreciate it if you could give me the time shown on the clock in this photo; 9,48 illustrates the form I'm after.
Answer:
10,07
